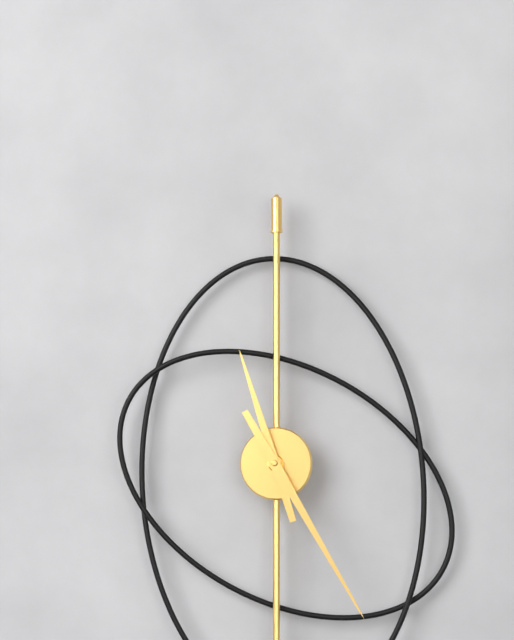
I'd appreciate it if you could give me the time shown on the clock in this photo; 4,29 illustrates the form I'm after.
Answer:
11,25
